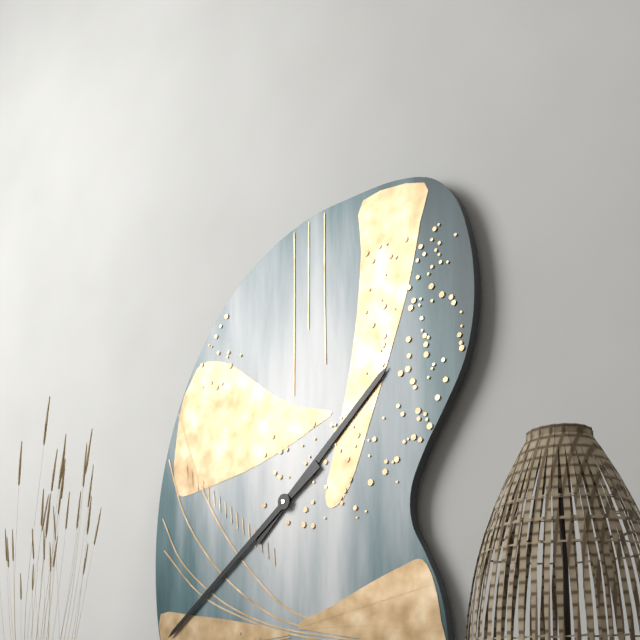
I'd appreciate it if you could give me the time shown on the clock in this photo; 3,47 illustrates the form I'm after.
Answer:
1,39
